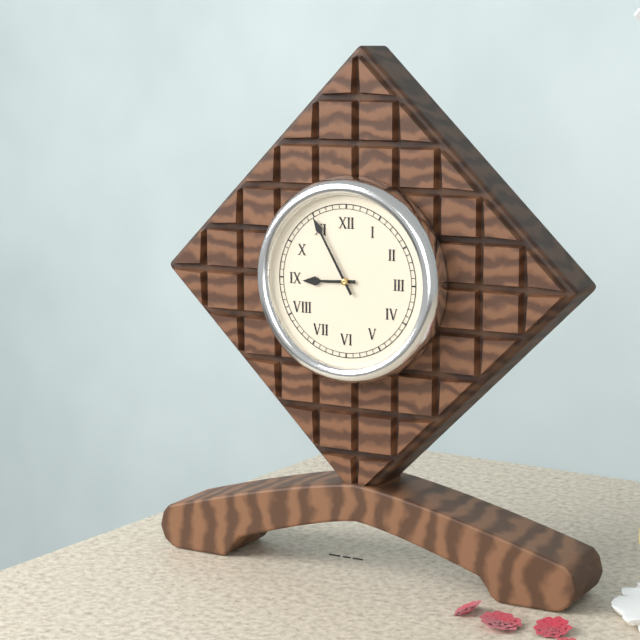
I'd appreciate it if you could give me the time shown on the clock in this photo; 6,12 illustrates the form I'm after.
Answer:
8,55
